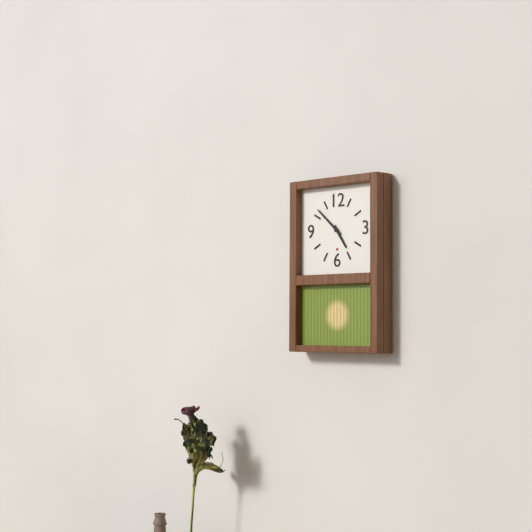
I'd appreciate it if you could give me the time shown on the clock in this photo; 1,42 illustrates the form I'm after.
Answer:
4,52
